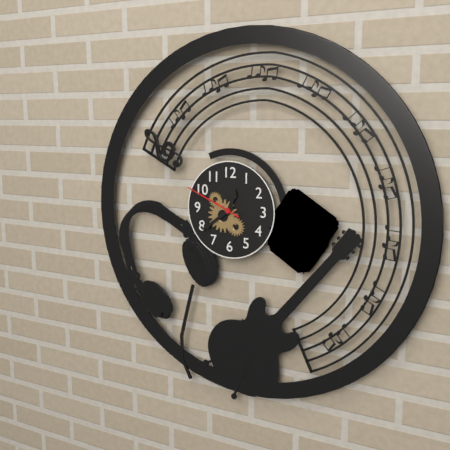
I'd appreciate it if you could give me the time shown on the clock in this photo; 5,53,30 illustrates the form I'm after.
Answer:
12,39,49
